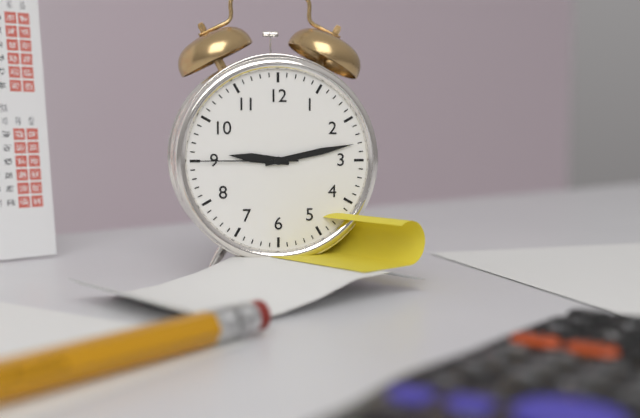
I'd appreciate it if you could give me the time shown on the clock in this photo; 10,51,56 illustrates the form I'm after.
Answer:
9,13,45
